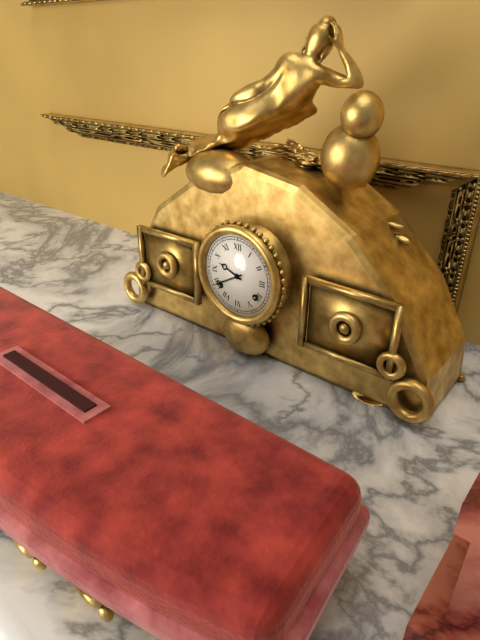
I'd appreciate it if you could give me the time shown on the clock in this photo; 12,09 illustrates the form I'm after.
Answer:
9,40
